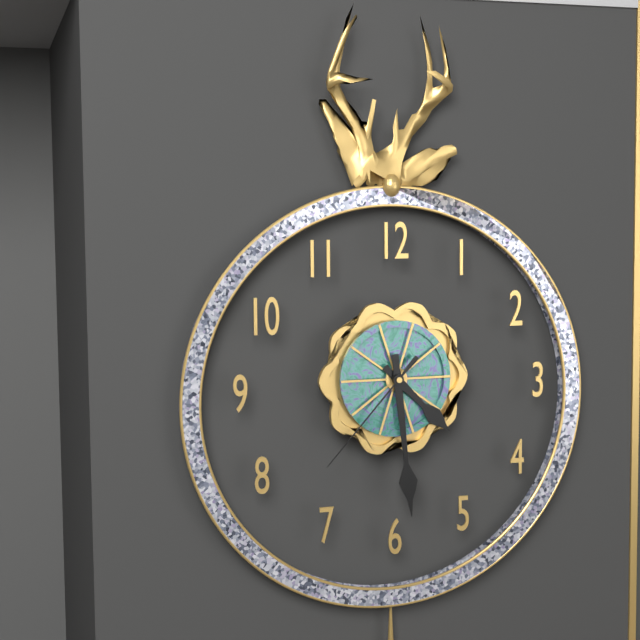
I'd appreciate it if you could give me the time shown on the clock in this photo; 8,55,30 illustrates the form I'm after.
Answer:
4,29,37
